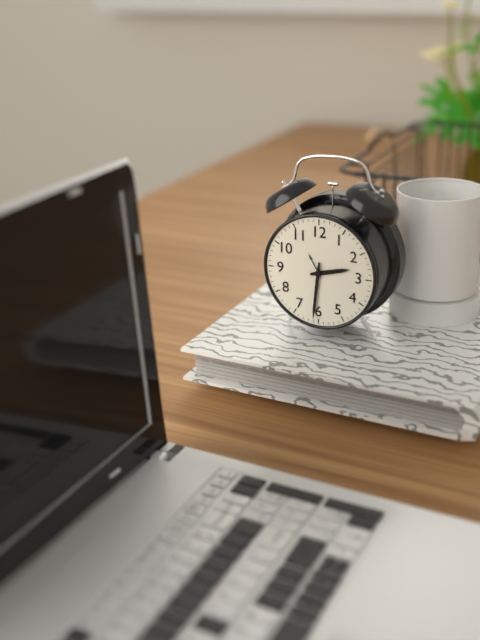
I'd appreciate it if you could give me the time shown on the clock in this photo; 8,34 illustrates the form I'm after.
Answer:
2,31
